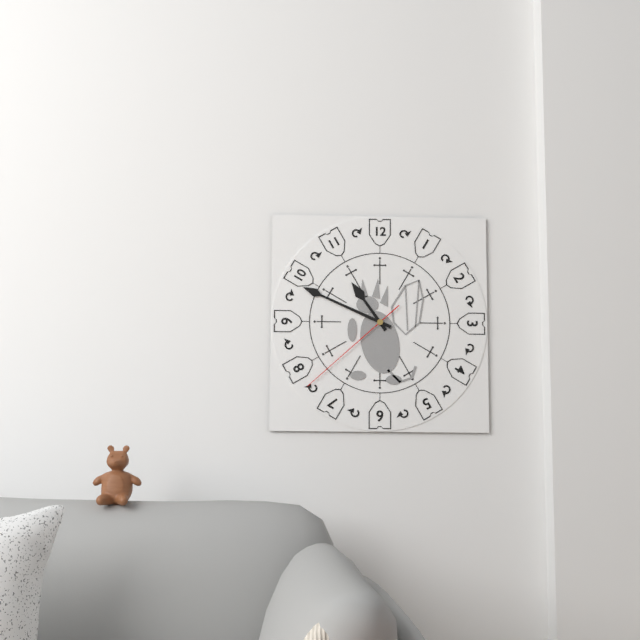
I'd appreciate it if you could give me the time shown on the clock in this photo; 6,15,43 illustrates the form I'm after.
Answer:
10,49,38
